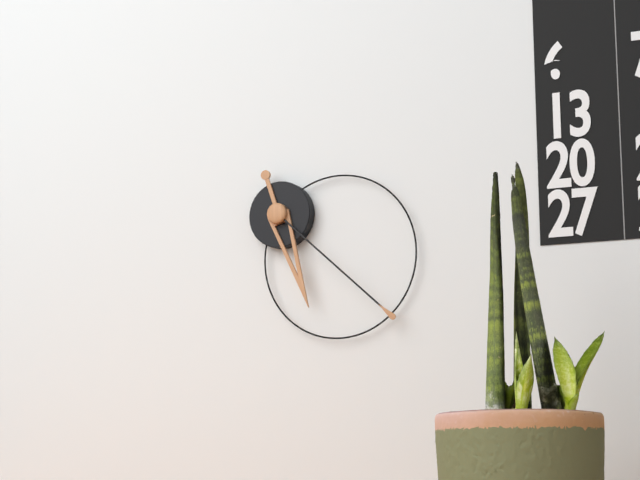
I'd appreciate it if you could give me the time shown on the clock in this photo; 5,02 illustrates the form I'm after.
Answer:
5,22
